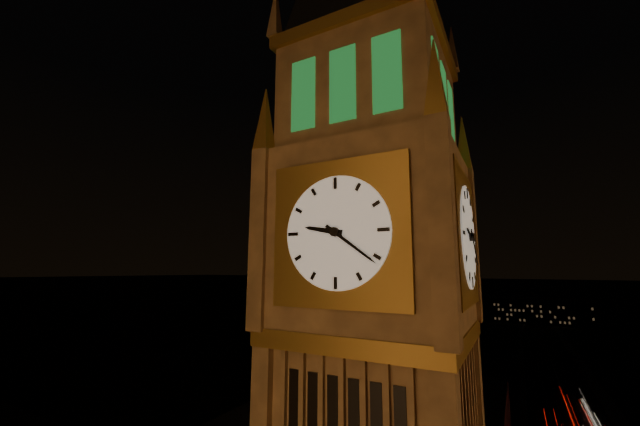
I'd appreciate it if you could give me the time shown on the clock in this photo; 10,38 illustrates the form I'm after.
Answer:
9,21
